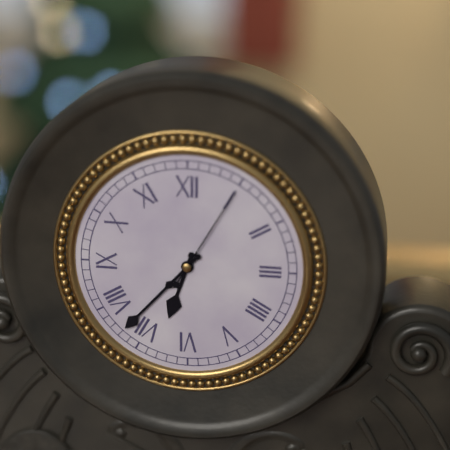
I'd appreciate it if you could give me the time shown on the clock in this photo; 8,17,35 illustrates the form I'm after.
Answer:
6,37,05
